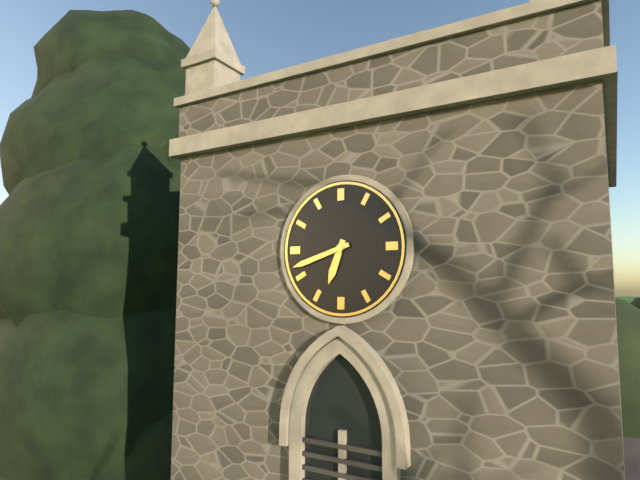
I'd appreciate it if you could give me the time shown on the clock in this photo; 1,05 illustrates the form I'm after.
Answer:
6,42
